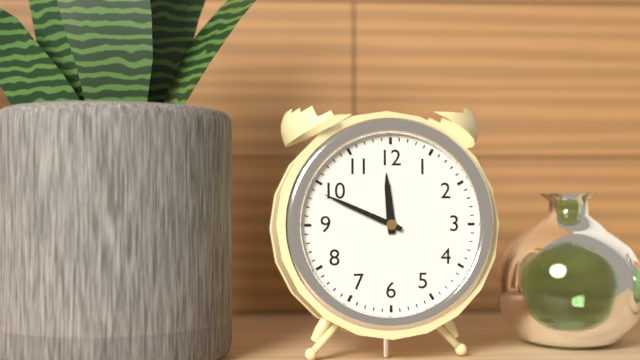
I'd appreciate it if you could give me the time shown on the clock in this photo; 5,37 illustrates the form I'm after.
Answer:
11,49
